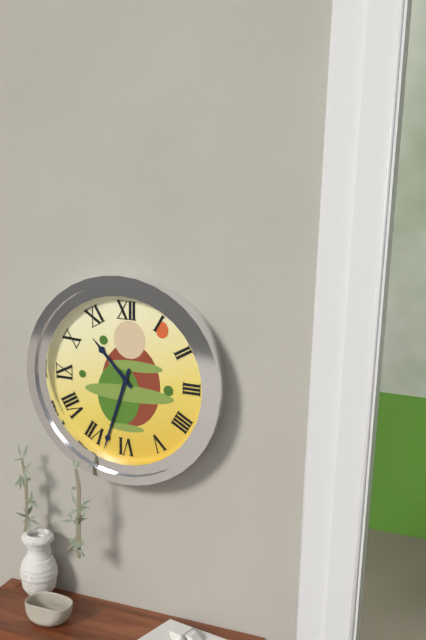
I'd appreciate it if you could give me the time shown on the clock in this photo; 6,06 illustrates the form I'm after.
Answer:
10,33
